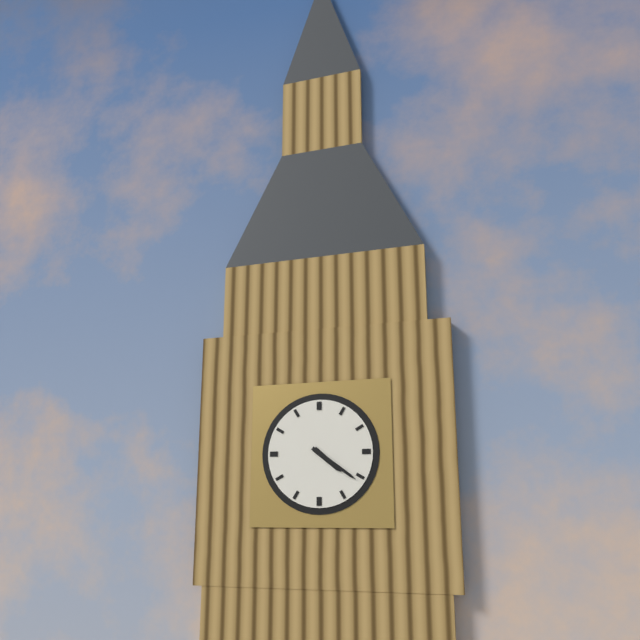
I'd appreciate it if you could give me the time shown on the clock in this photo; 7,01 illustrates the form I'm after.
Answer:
4,21
